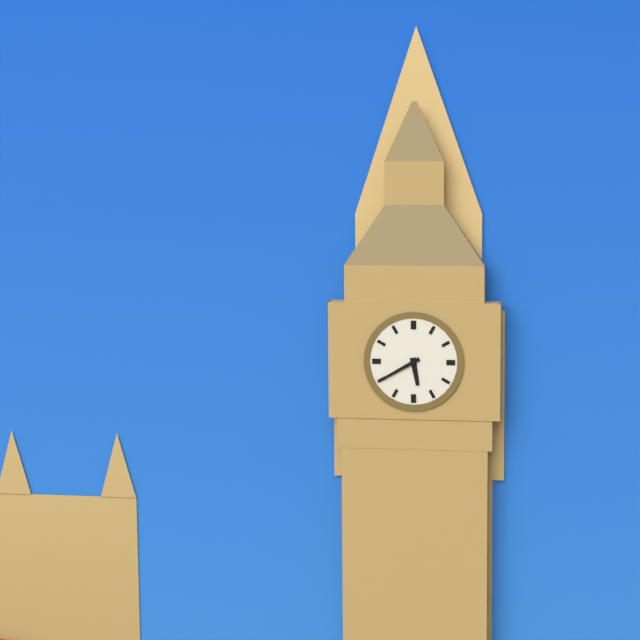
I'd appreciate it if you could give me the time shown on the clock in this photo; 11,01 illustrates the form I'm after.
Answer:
5,40
